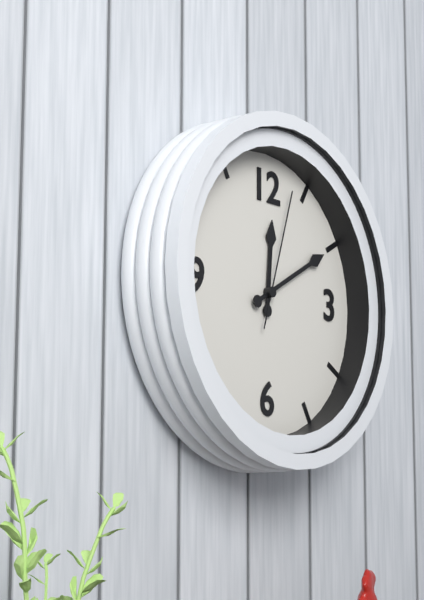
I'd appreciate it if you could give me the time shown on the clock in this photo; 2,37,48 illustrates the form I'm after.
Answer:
12,10,03
